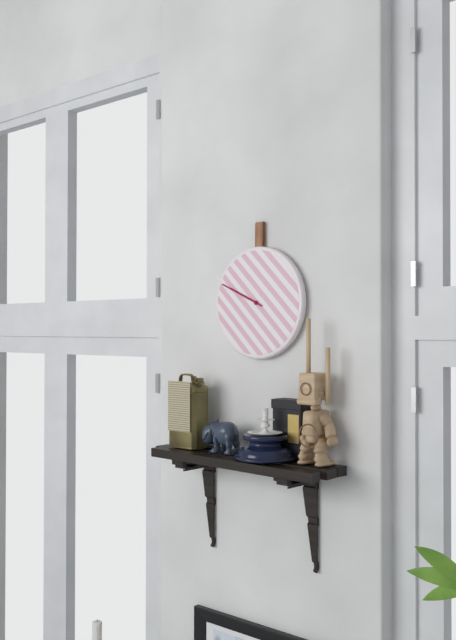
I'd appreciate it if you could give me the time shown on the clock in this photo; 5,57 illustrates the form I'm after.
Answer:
9,49
